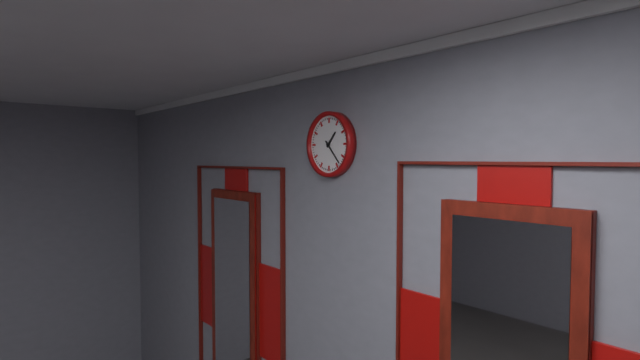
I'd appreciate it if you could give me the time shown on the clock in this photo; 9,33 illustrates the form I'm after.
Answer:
1,23
